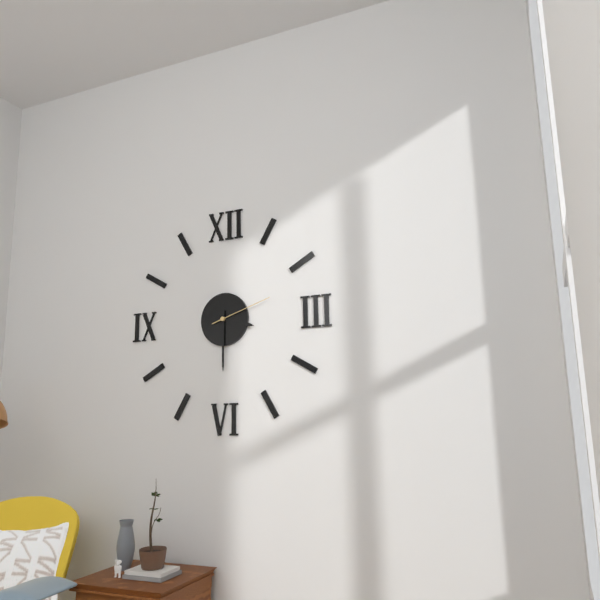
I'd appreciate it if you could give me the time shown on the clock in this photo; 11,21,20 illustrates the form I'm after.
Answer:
3,30,12
